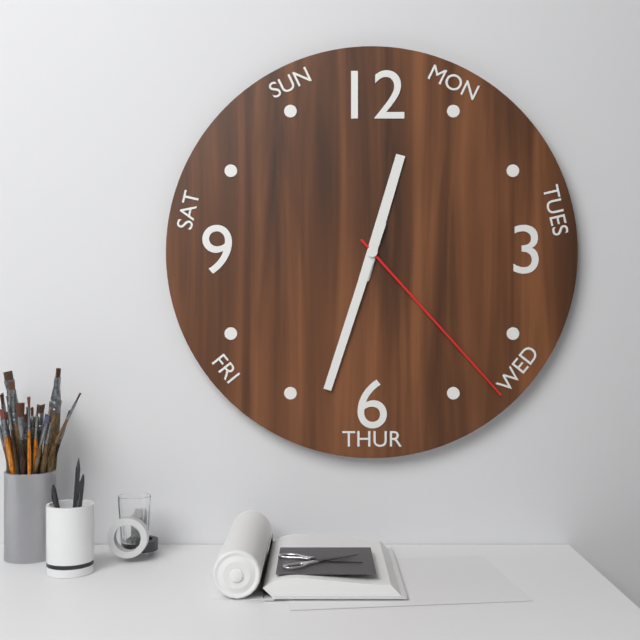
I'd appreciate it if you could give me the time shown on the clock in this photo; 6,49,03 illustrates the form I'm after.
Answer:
12,33,23
